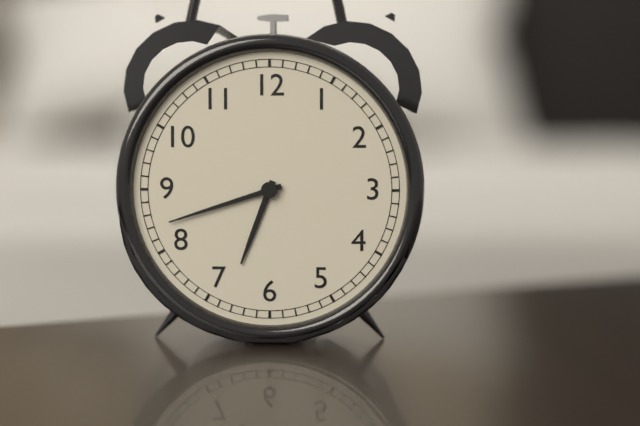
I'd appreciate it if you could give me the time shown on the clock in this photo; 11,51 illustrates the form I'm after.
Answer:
6,42
